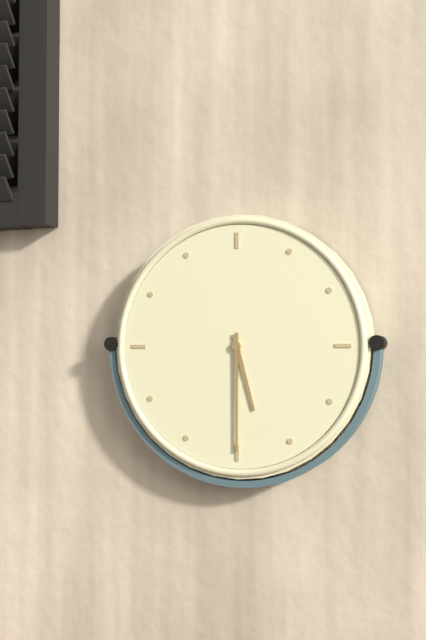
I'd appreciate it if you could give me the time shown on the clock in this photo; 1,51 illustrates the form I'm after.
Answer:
5,30
